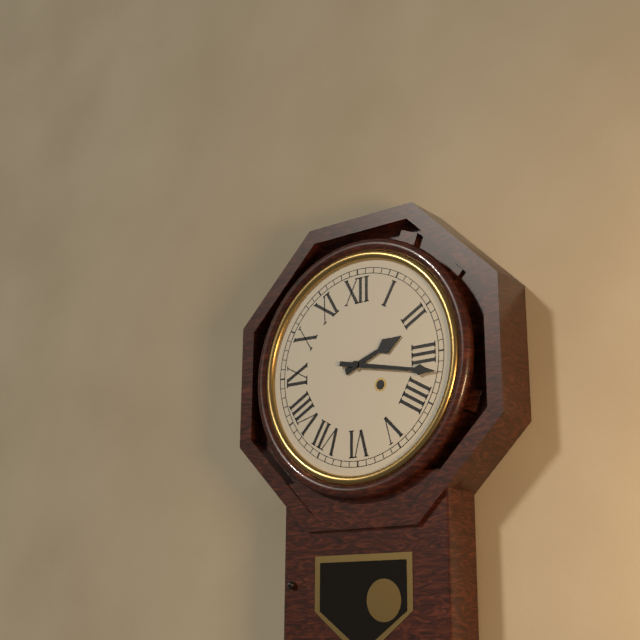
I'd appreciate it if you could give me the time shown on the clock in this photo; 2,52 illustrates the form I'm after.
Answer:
2,17
